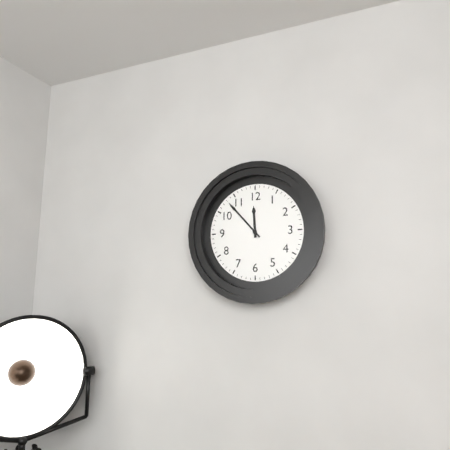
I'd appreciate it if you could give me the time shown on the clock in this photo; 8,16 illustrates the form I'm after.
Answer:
11,53
